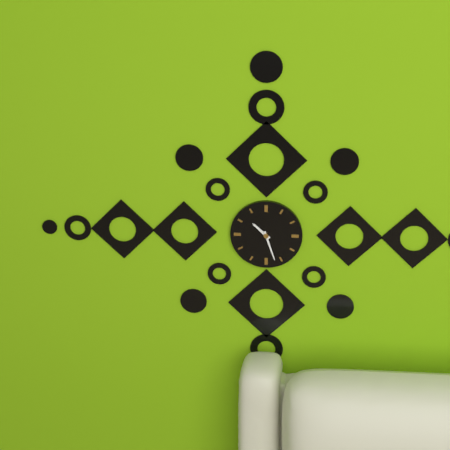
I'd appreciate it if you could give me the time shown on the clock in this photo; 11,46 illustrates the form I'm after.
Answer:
10,27
